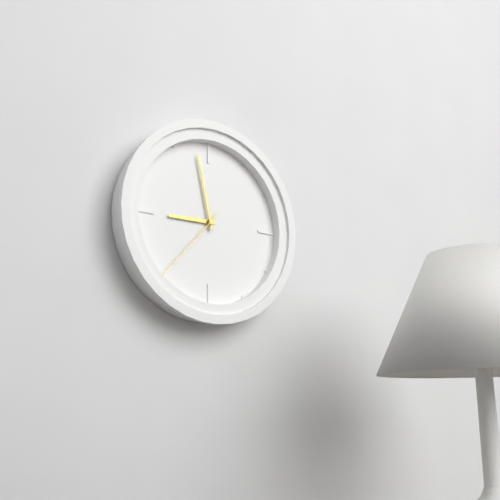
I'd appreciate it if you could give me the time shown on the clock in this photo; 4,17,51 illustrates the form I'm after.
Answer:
8,58,37
